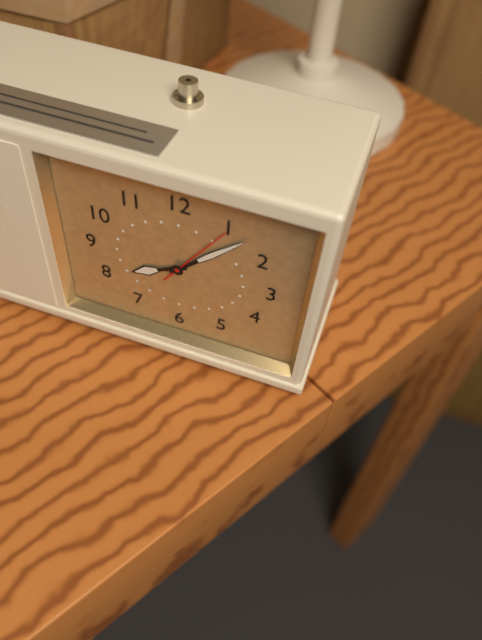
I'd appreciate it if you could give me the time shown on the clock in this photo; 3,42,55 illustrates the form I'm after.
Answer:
8,08,06
